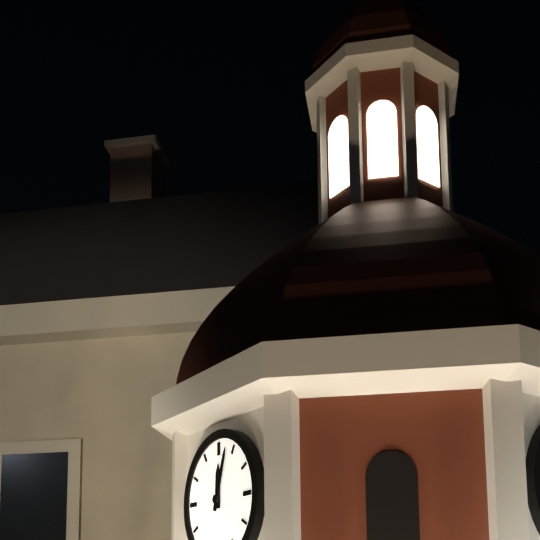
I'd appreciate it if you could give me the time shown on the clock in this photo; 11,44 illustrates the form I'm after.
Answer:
12,03
